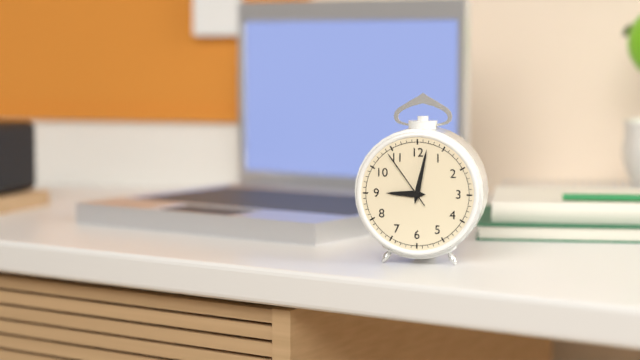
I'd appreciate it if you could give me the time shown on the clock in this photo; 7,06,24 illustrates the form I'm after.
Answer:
9,02,54
